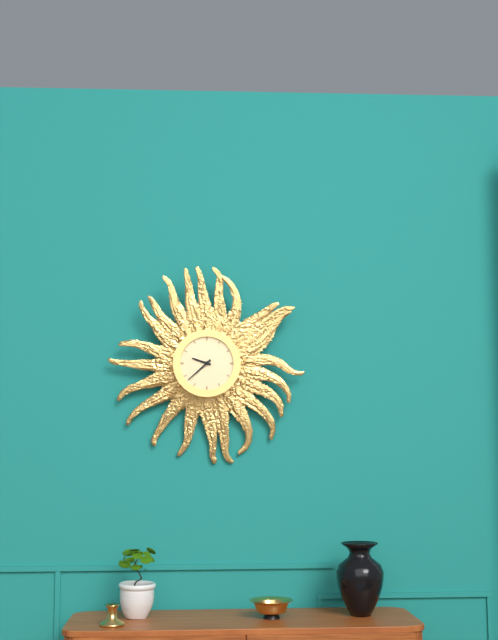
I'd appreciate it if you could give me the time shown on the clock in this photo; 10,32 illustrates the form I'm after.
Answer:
9,38
